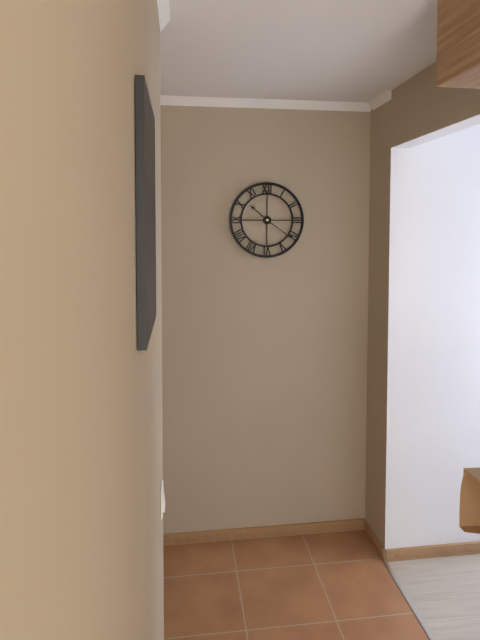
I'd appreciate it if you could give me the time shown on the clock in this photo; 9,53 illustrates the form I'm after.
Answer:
10,21
